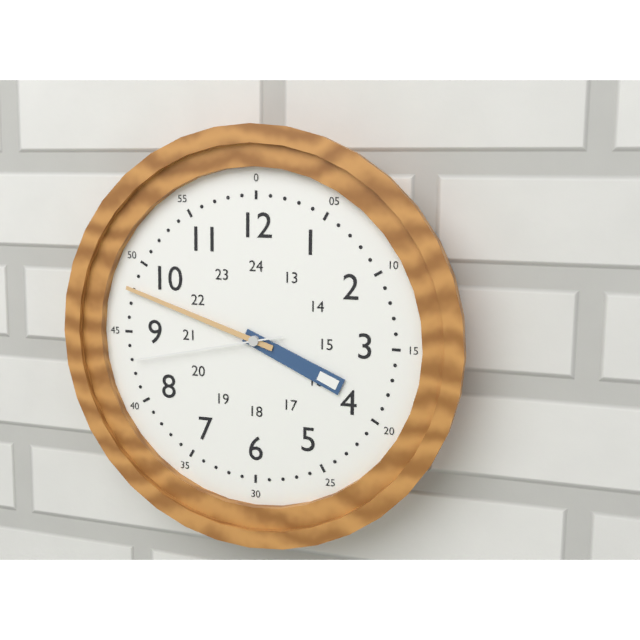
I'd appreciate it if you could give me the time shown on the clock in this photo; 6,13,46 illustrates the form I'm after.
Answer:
3,48,43
